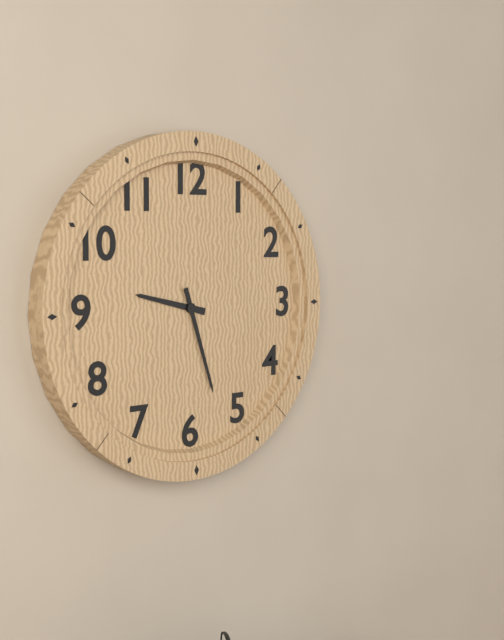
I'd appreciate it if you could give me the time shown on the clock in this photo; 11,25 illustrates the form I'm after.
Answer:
9,27
